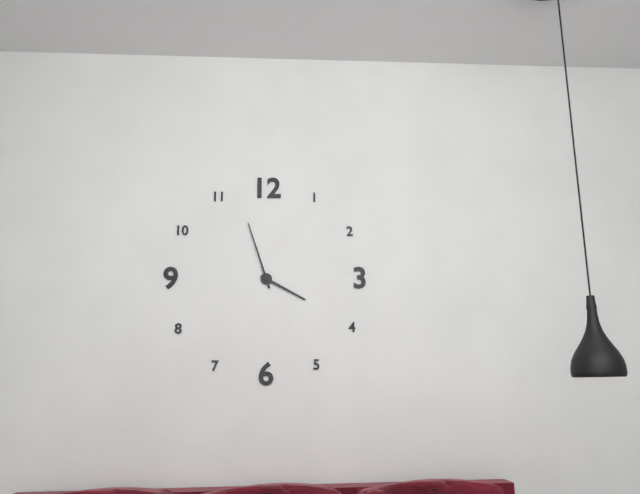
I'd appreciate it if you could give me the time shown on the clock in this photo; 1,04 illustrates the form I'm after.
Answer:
3,57
